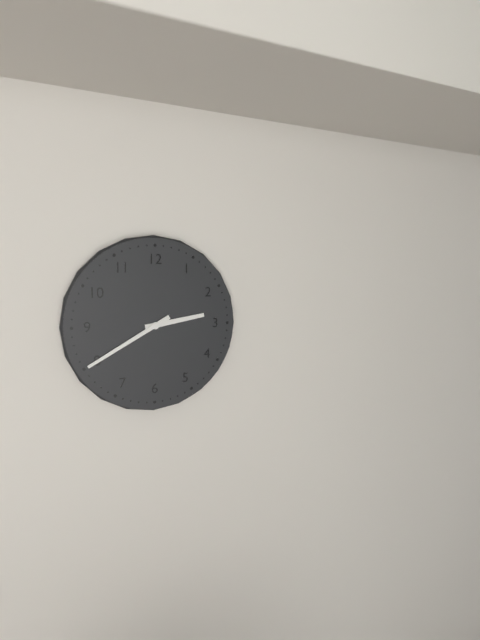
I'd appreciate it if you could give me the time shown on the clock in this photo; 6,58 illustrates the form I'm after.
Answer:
2,40
